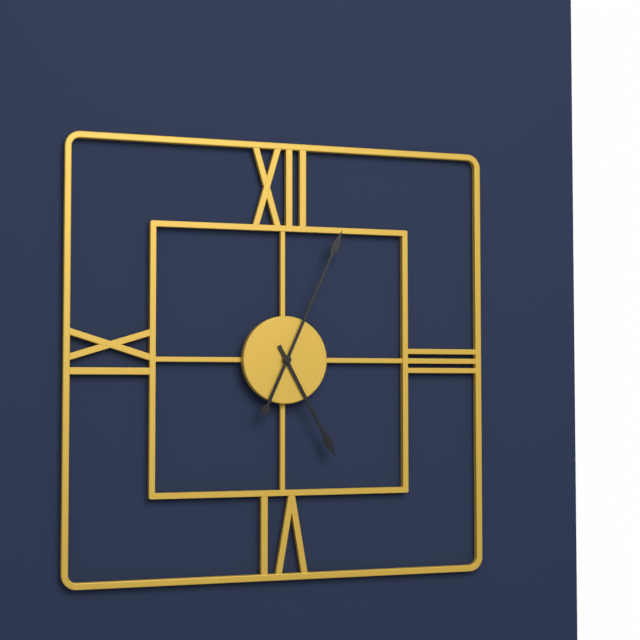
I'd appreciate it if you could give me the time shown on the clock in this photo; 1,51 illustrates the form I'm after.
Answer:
5,04
